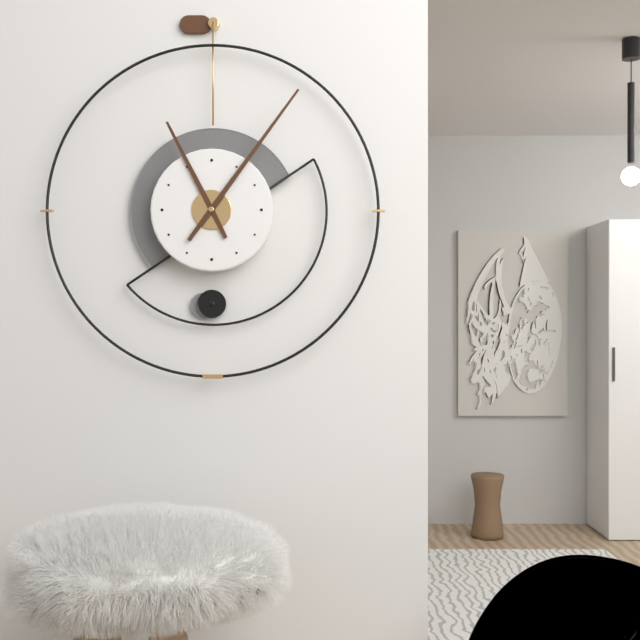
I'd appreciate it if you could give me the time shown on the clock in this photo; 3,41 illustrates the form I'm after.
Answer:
11,06
